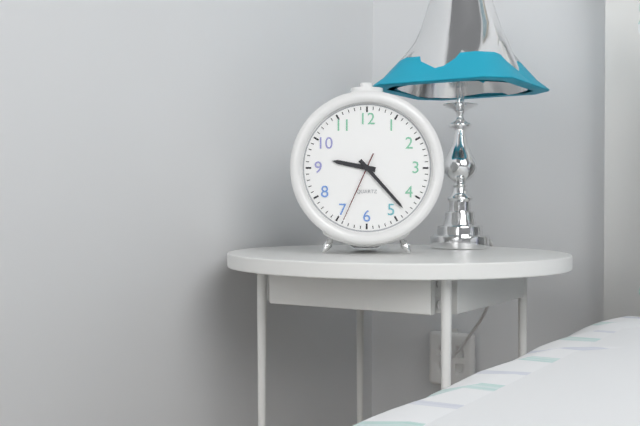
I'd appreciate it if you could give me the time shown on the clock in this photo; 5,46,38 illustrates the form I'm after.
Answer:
9,23,34
